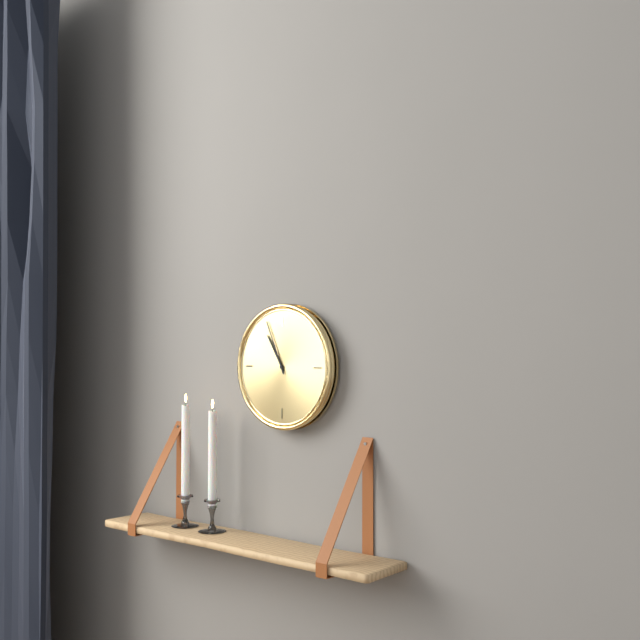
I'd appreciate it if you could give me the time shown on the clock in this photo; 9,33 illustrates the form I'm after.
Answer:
10,56
